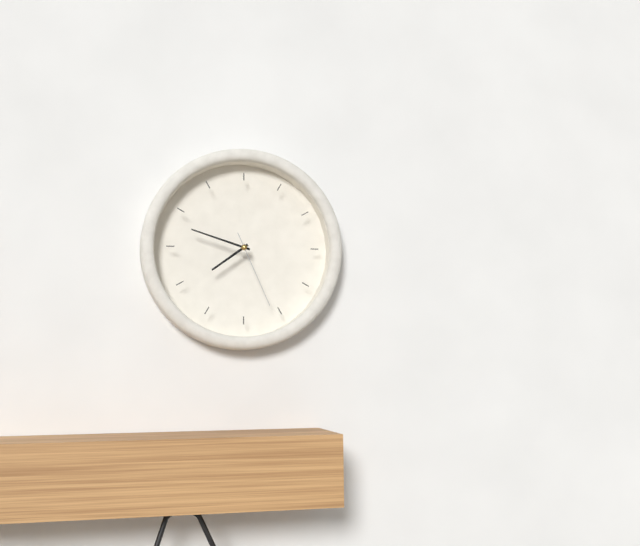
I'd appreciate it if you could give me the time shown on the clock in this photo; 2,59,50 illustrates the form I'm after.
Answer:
7,48,26
